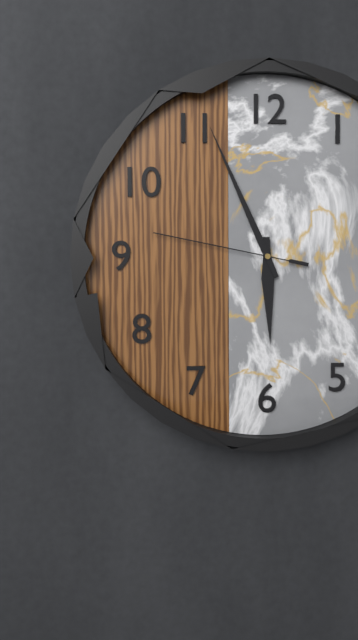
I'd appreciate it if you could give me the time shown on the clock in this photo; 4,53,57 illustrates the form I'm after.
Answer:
5,56,47
